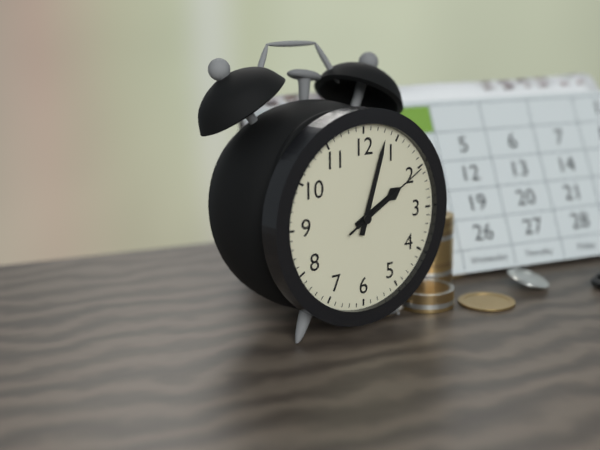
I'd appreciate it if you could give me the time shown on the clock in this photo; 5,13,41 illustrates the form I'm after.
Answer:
2,03,10
